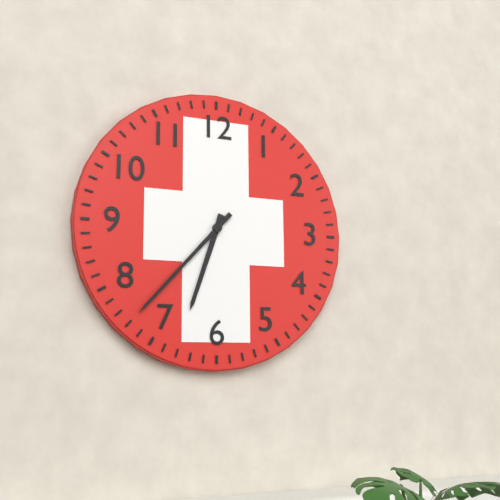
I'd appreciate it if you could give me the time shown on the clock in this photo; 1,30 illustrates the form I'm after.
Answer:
6,37
